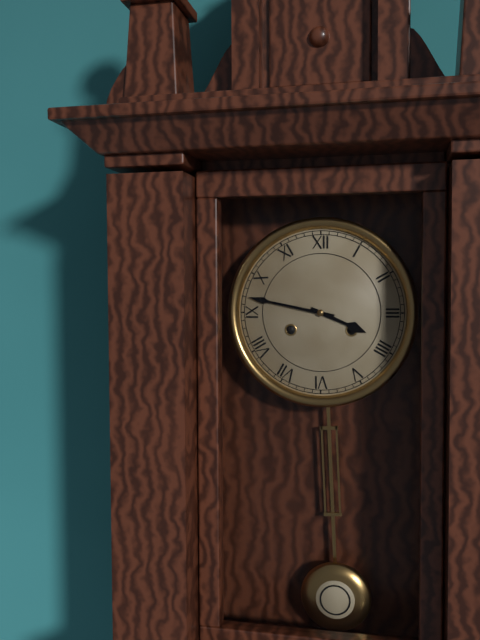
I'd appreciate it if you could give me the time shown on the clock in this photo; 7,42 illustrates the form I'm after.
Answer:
3,47
